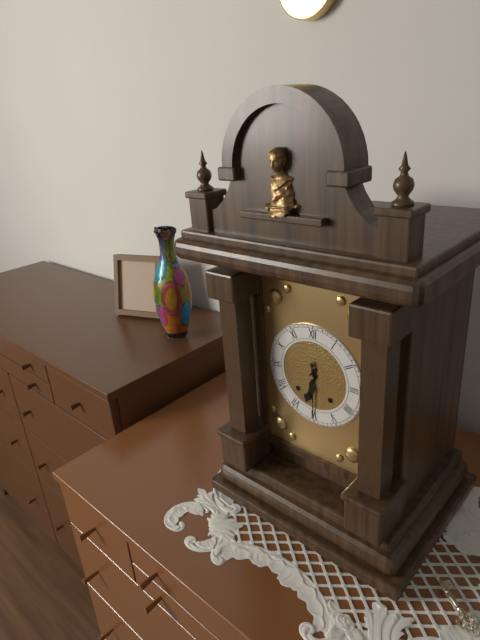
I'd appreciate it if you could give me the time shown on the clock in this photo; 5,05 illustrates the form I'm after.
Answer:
6,30
